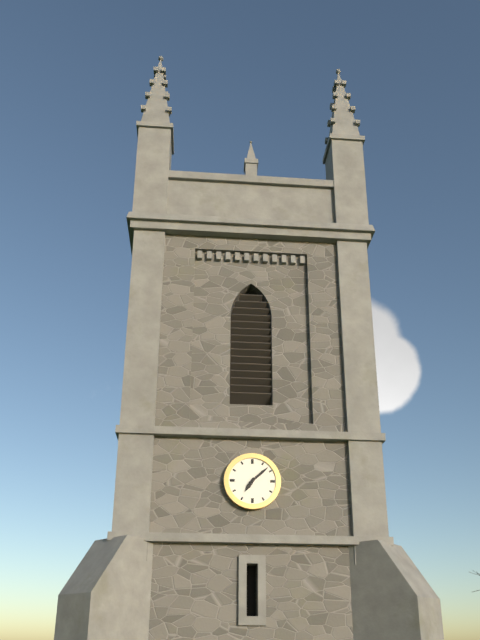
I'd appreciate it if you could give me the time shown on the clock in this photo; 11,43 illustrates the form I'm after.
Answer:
7,08
